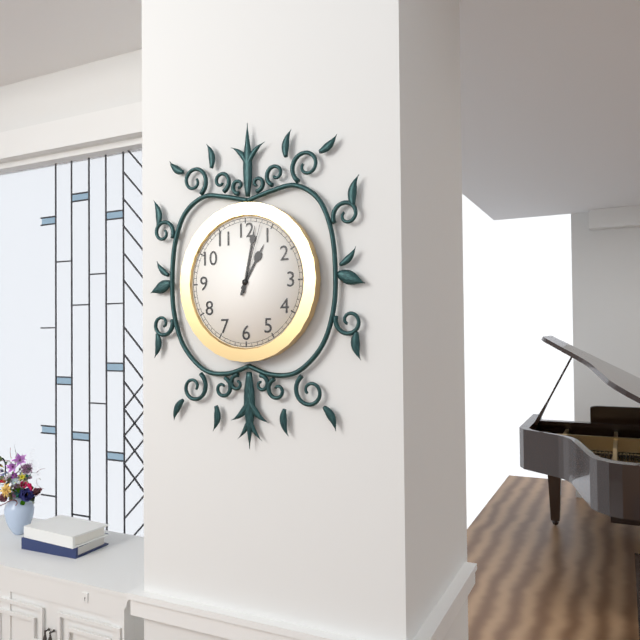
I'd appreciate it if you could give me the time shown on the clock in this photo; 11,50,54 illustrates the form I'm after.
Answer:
1,02,03
